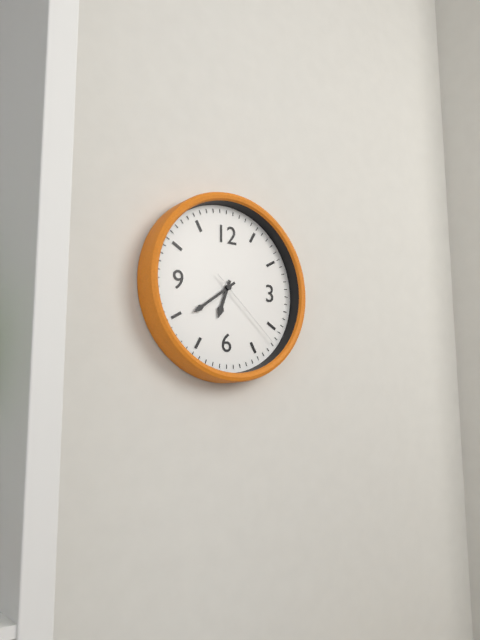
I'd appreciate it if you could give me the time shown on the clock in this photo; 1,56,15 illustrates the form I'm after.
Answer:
6,39,22
